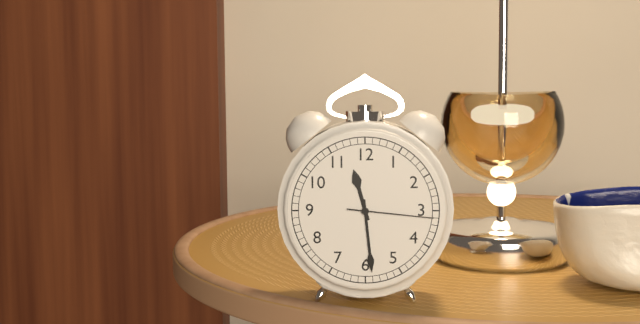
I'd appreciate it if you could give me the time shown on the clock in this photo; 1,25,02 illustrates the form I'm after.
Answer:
11,29,16
